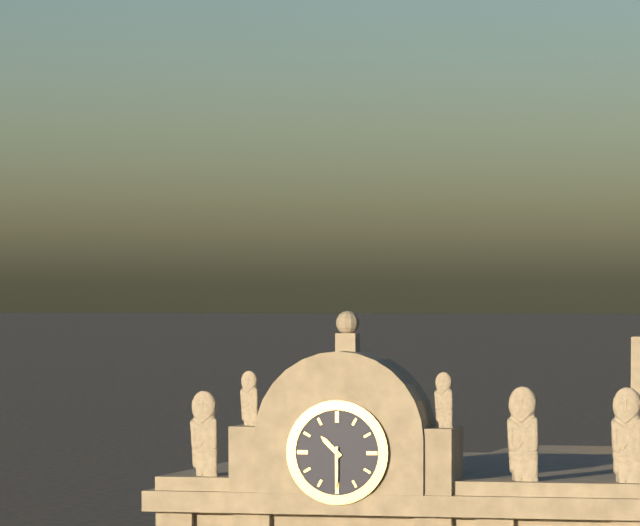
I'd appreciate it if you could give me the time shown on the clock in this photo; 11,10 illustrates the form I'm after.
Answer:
10,30
